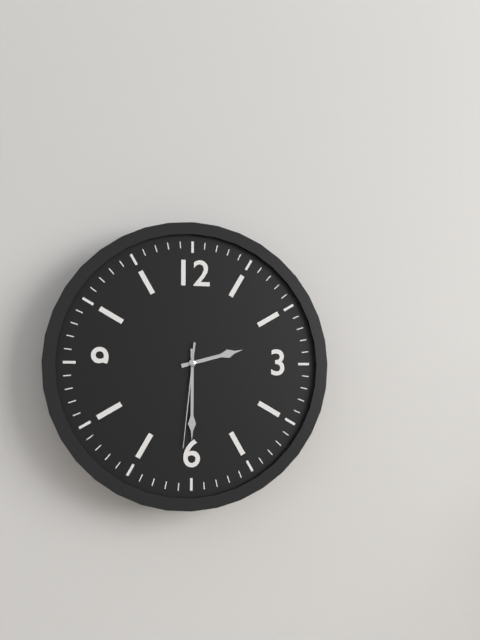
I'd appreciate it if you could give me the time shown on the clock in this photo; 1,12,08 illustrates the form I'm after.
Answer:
2,30,31
